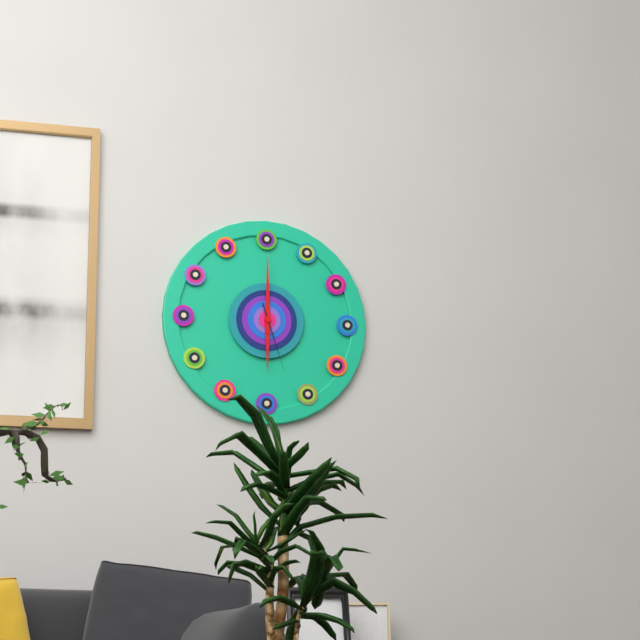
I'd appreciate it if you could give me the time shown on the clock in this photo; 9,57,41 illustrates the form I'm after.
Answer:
6,00,27
